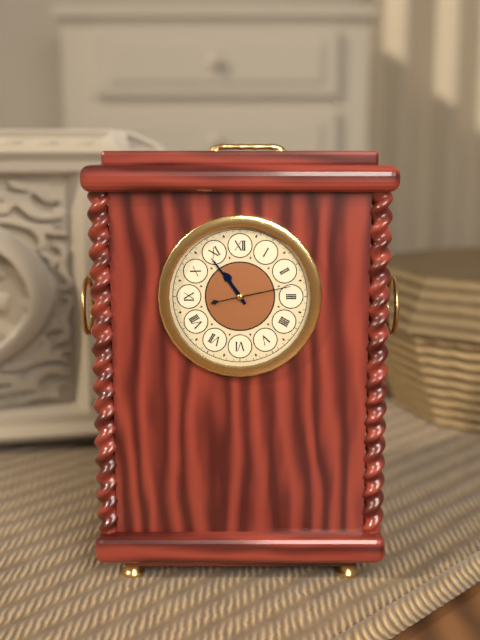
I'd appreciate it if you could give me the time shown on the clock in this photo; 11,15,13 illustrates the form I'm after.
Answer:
10,54,13
